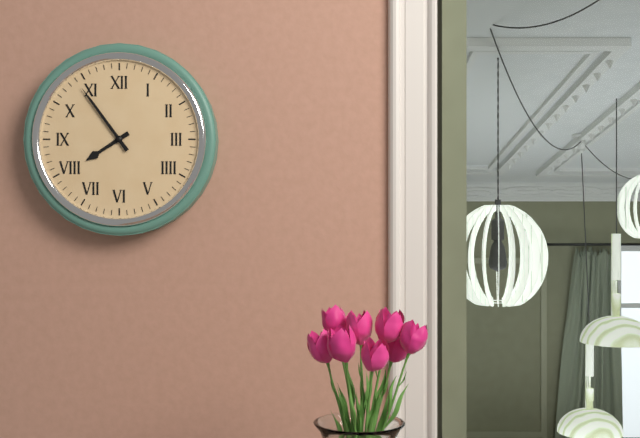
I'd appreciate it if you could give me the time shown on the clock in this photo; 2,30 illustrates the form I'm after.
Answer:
7,54
